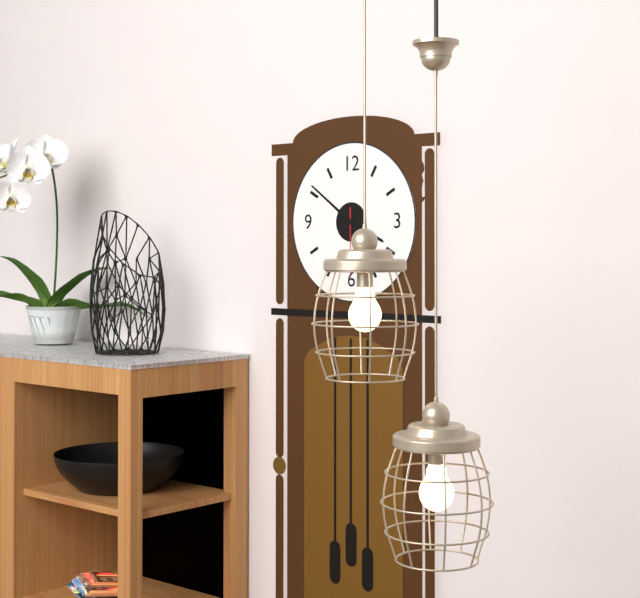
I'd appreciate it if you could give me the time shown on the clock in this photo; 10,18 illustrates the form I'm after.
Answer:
3,51
